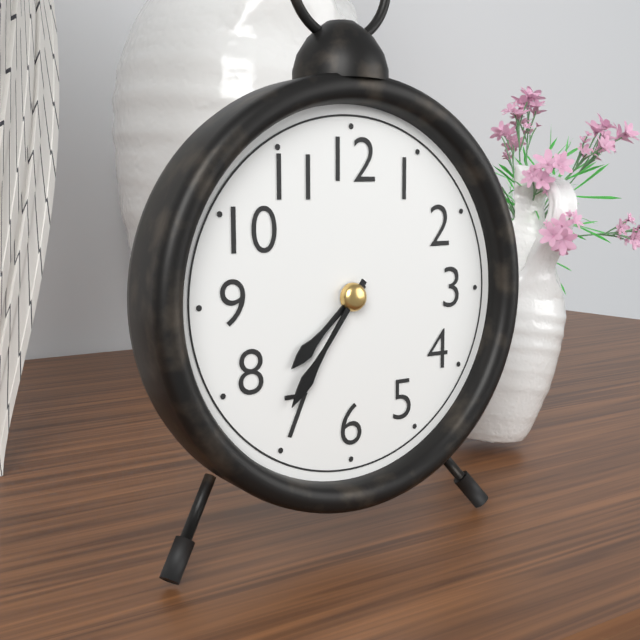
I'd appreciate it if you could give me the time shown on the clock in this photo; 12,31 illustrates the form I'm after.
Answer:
7,36
